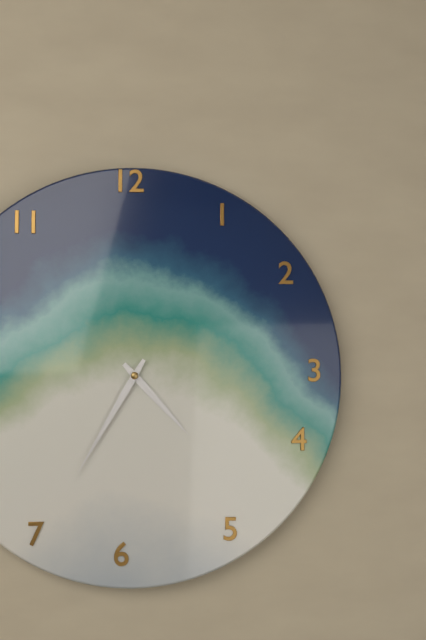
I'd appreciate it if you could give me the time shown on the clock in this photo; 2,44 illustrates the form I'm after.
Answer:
4,35
